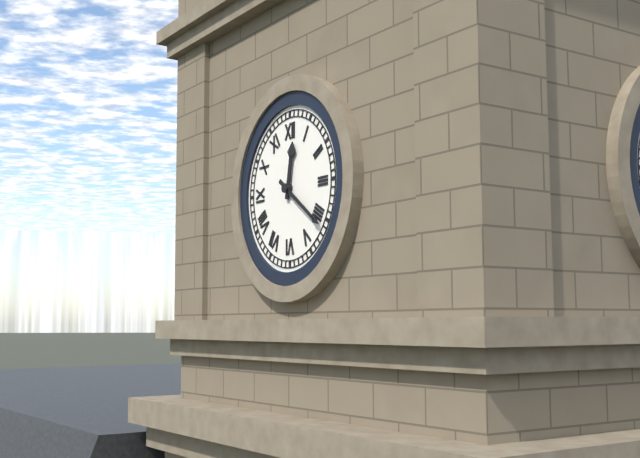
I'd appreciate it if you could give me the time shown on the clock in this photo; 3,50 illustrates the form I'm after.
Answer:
12,21
